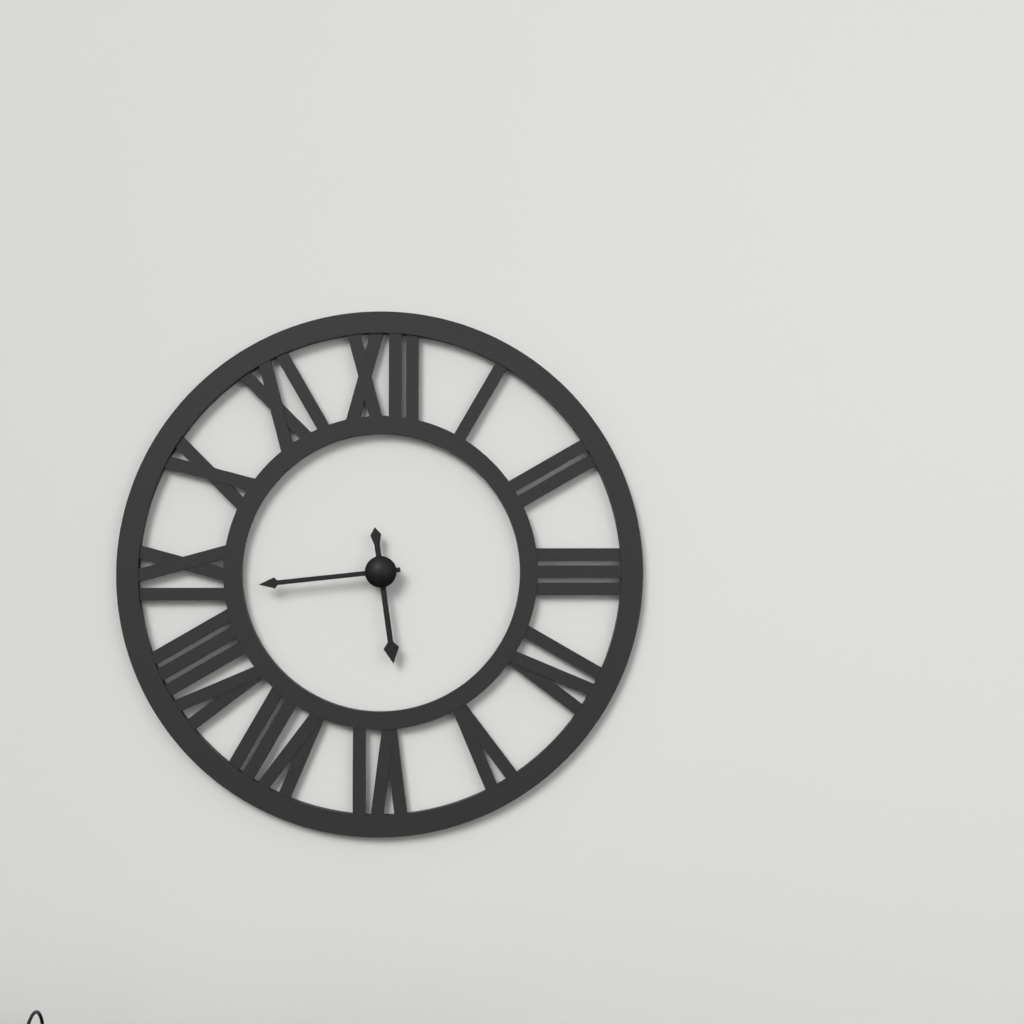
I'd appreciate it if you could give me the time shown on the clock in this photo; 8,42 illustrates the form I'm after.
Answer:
5,44
